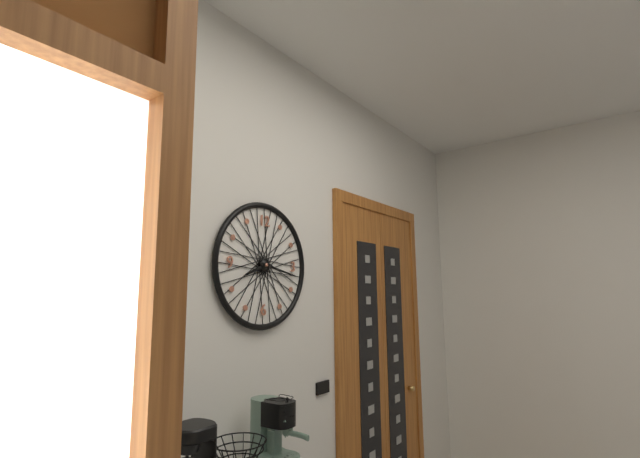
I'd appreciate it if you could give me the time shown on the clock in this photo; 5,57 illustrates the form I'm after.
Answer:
8,17
